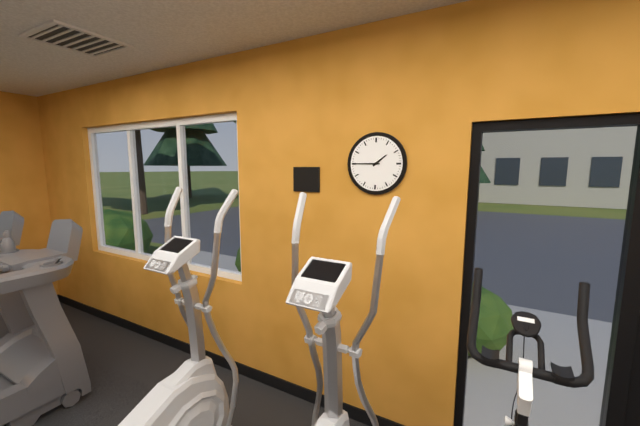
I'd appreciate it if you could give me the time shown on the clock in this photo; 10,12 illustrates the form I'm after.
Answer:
1,45
